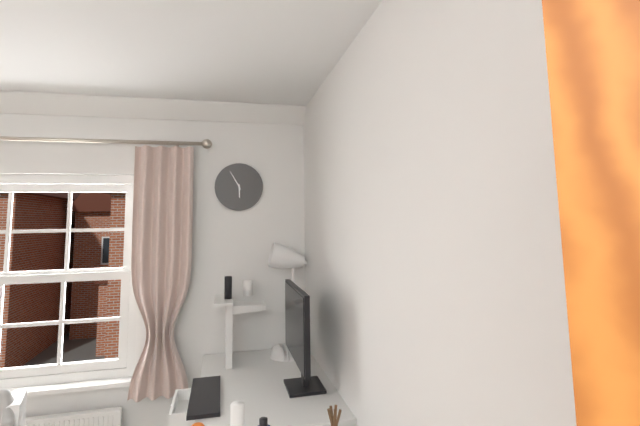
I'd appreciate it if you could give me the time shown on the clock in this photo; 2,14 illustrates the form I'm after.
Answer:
5,55
